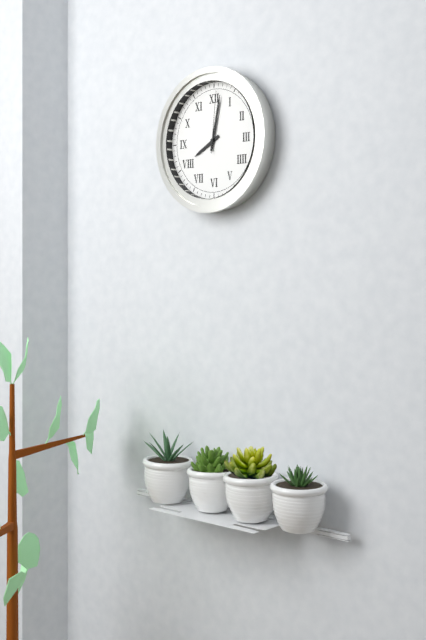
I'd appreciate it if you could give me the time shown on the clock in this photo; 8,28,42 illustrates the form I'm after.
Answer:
8,02,01
